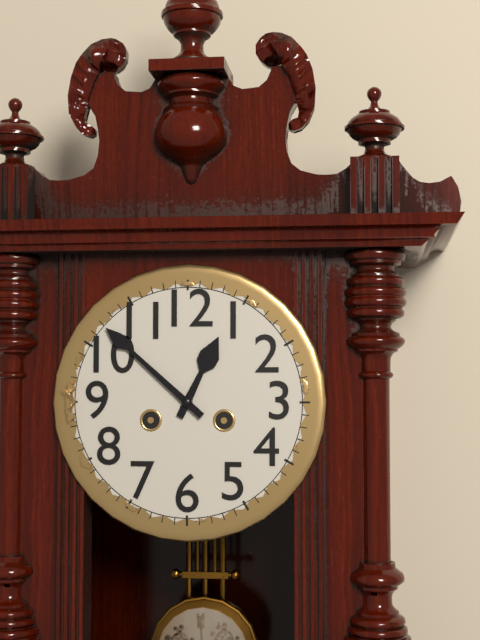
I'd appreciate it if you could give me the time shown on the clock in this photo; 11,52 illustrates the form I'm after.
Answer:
12,52
